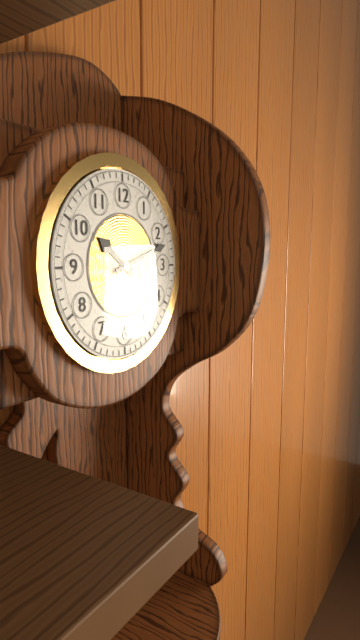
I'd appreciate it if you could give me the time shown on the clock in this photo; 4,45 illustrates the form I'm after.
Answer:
10,12
